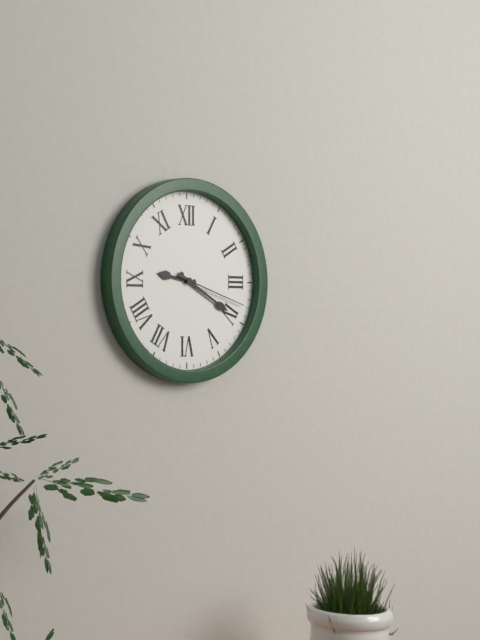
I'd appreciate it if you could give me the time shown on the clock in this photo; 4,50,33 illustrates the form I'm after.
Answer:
9,20,18
